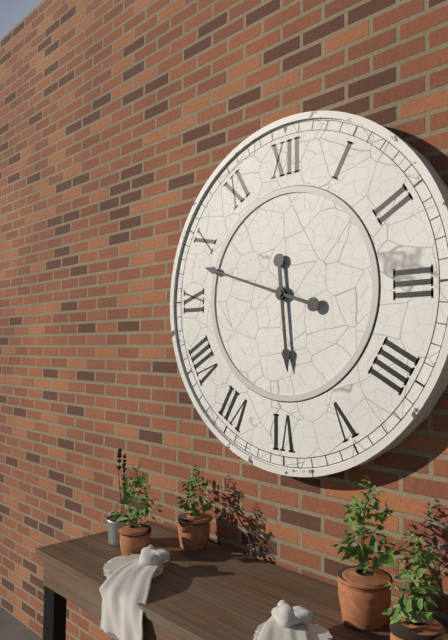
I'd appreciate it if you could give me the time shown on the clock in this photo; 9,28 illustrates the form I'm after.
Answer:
5,48
